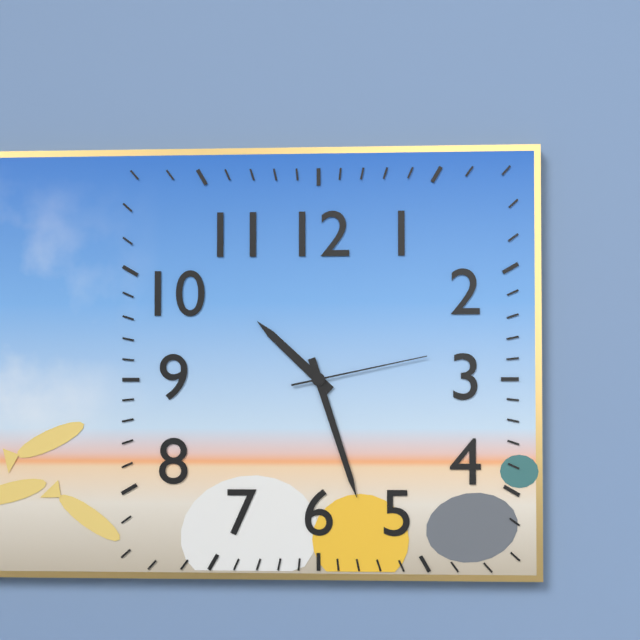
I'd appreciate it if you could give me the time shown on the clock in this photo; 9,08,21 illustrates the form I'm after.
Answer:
10,27,13
